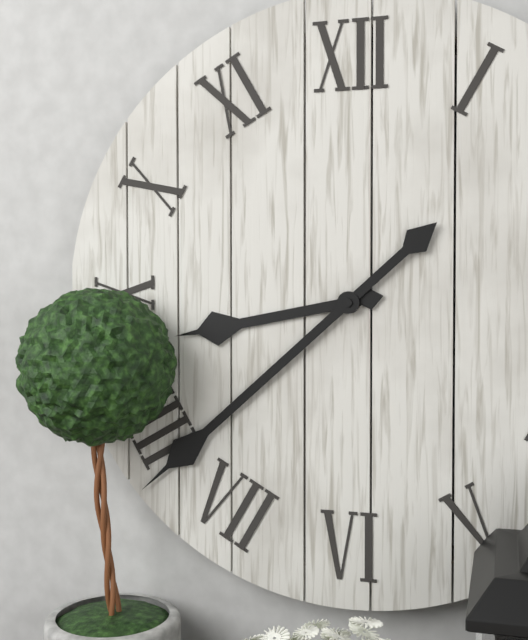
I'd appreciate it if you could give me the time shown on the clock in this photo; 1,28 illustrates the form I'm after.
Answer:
8,38
